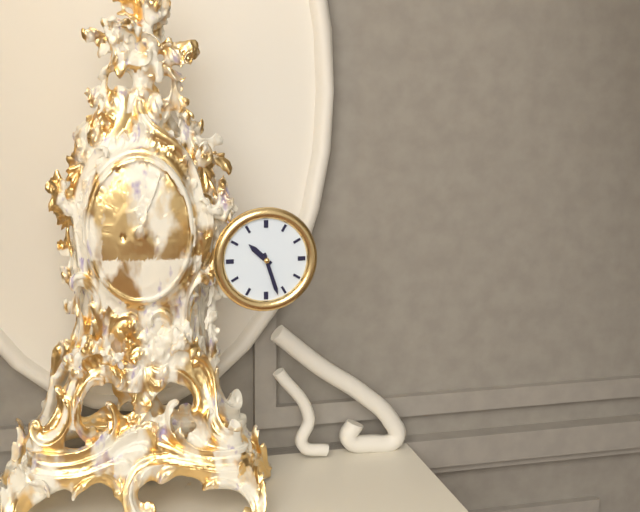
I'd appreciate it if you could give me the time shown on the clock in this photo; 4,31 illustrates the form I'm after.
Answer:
10,27
